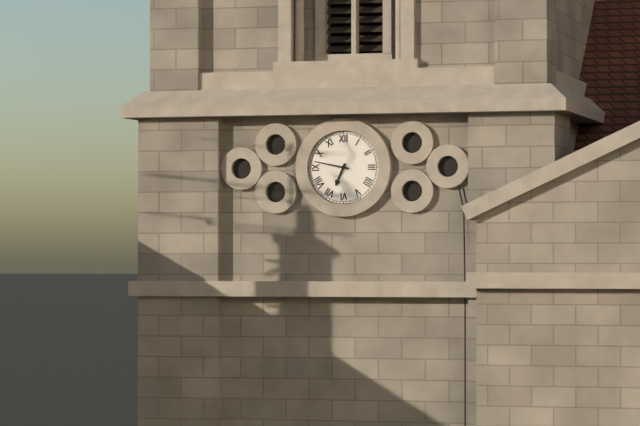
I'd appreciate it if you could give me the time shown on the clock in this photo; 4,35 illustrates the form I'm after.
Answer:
6,47
